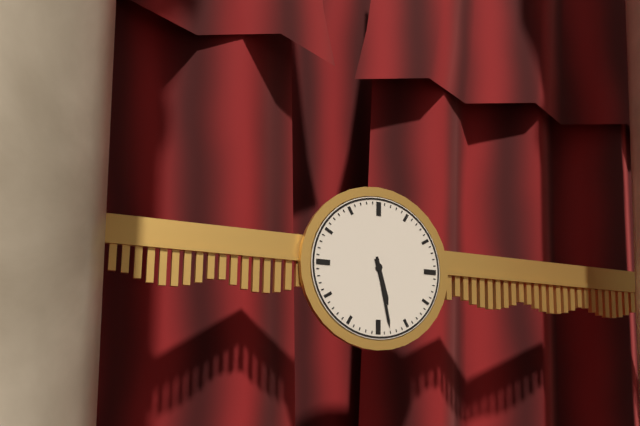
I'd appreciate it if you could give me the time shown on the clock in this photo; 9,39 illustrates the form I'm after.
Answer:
5,28
